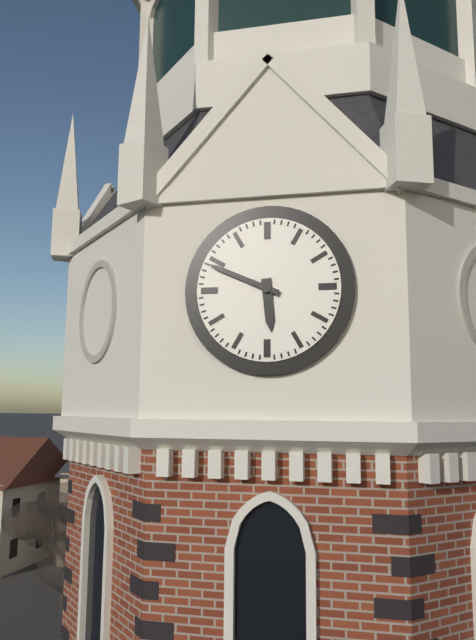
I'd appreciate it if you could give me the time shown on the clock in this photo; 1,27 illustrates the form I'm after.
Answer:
5,49
